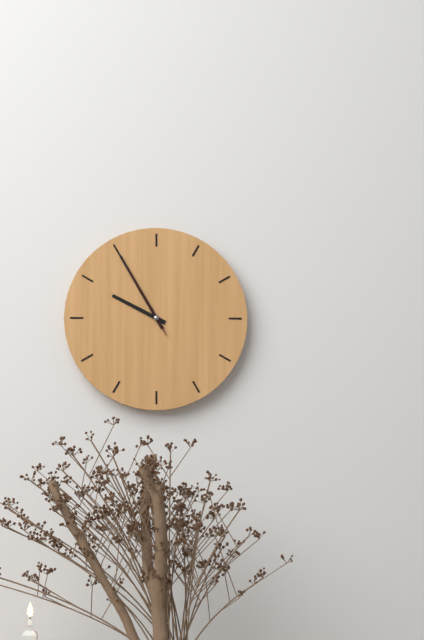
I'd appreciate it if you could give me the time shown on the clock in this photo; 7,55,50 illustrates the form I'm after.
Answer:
9,55,55
